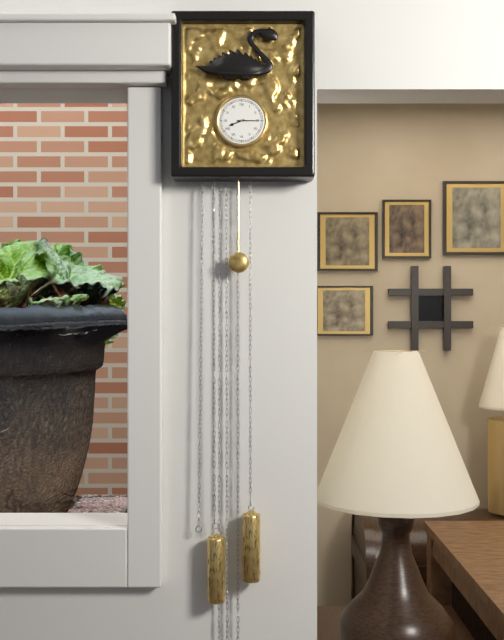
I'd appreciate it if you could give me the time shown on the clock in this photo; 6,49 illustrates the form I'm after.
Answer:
8,15
